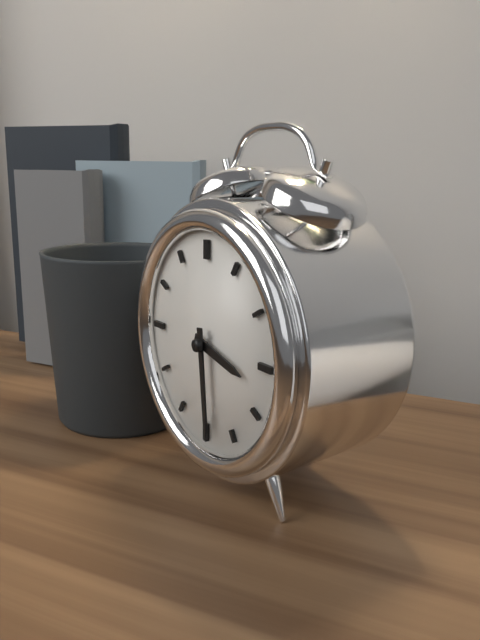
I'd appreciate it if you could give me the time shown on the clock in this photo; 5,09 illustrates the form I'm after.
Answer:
3,29
